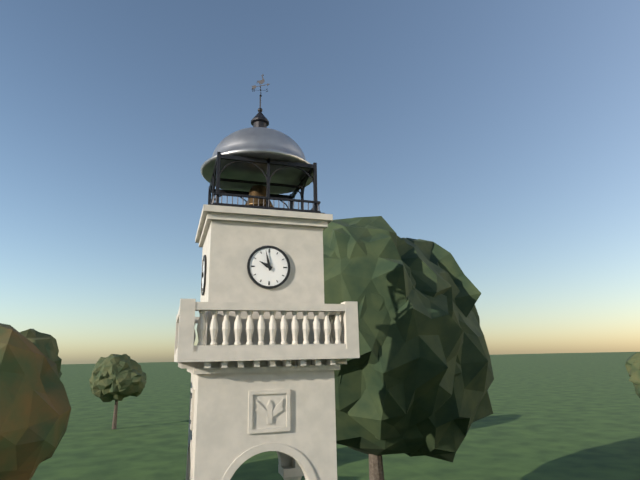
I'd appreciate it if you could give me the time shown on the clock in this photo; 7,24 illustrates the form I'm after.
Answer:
9,58
